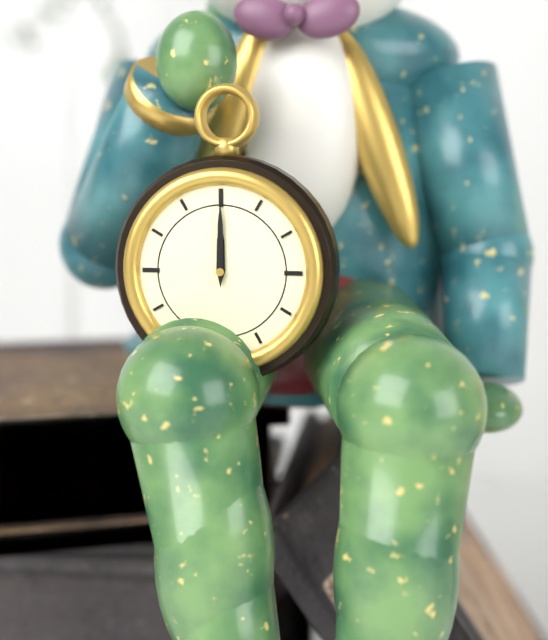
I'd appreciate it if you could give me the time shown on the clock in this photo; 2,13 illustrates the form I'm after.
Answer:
12,00
